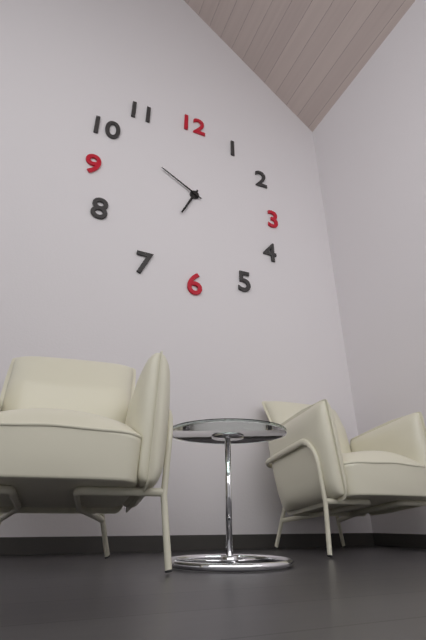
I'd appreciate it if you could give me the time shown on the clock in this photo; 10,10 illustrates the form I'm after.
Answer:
6,50
